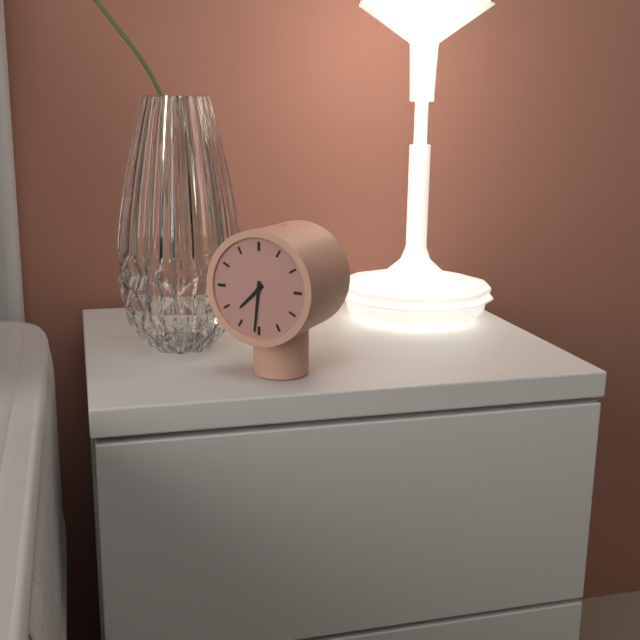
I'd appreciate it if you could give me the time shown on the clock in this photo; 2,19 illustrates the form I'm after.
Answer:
7,31
